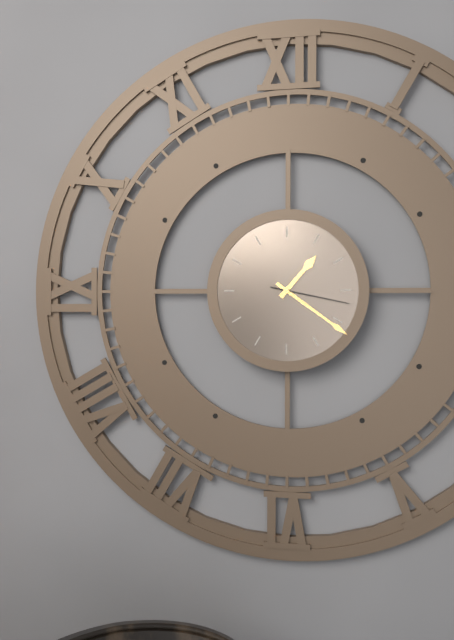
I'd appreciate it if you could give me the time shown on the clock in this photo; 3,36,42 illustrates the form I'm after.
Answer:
1,21,17
